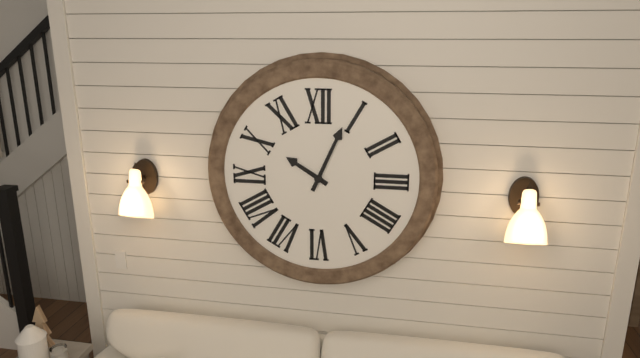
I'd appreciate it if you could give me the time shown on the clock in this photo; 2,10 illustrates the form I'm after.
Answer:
10,04
